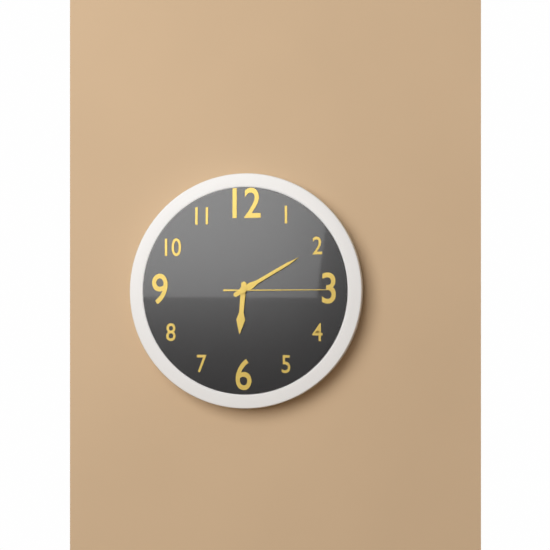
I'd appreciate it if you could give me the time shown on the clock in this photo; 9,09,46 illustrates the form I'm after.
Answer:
6,10,15
